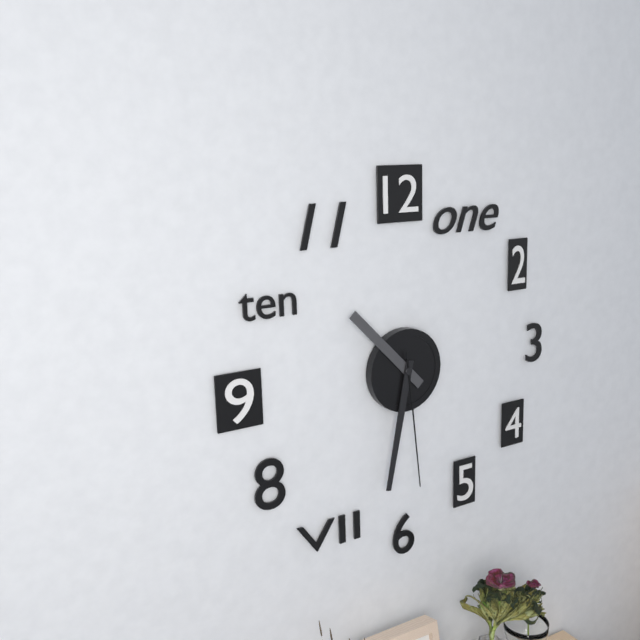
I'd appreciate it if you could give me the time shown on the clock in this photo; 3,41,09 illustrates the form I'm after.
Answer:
10,32,29
